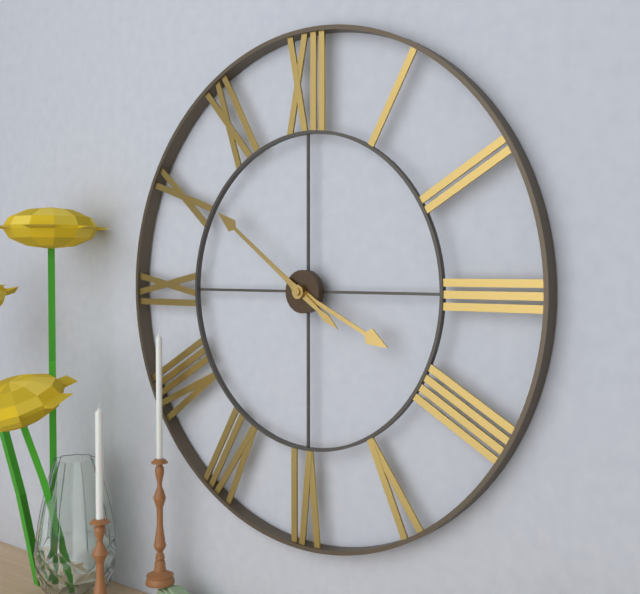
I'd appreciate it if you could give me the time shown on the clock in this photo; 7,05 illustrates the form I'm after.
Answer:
3,51
